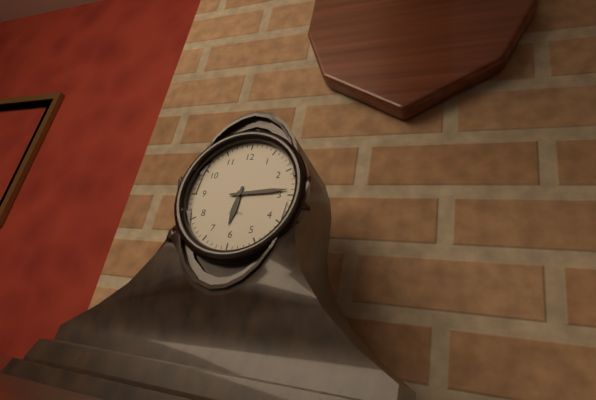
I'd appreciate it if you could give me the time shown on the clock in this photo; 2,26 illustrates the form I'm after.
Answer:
6,14
